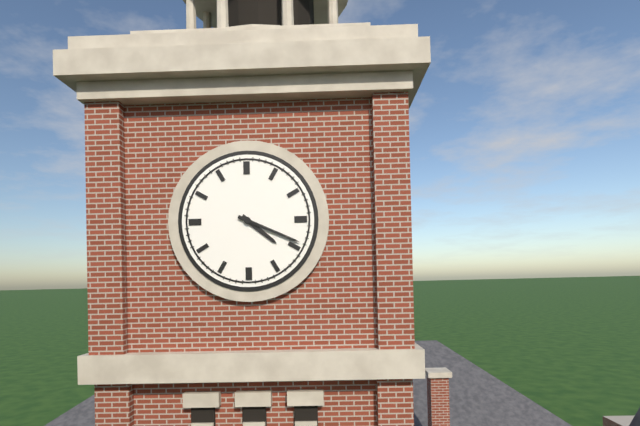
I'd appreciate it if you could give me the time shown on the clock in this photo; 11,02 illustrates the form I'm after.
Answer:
4,19
